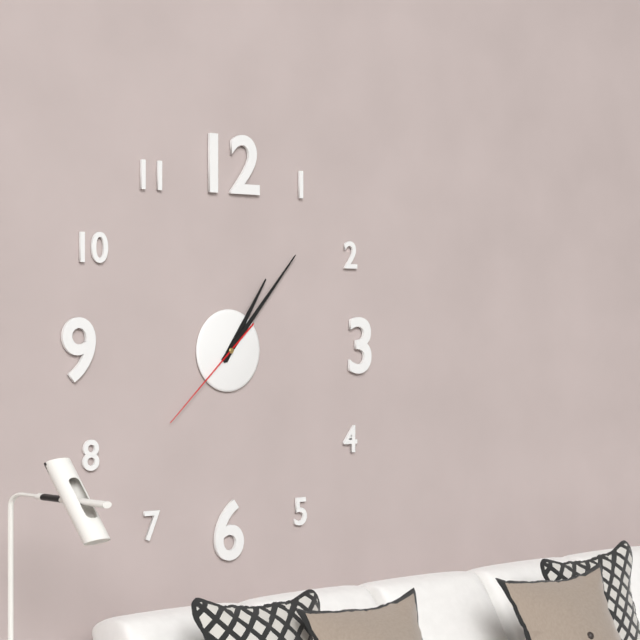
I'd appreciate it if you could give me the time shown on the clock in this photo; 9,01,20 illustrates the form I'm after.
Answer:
1,07,38
